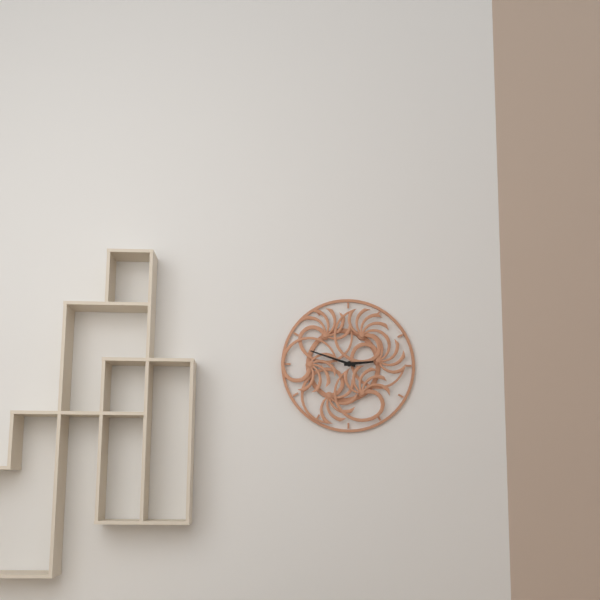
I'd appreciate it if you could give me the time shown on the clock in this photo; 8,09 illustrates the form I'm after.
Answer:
2,48
